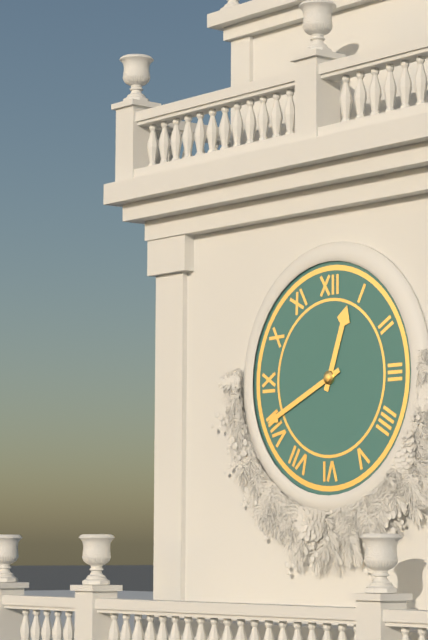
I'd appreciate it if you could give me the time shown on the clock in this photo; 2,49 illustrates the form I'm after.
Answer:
12,41
